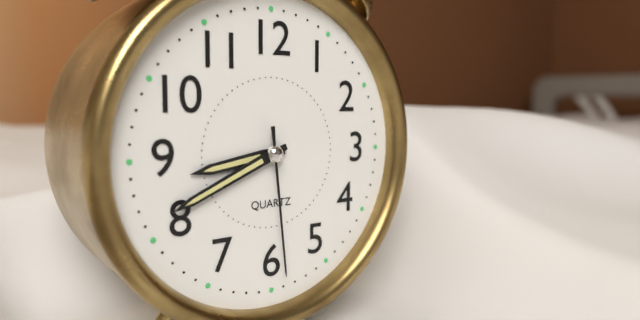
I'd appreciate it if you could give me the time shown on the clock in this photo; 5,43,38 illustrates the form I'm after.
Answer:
8,41,29
